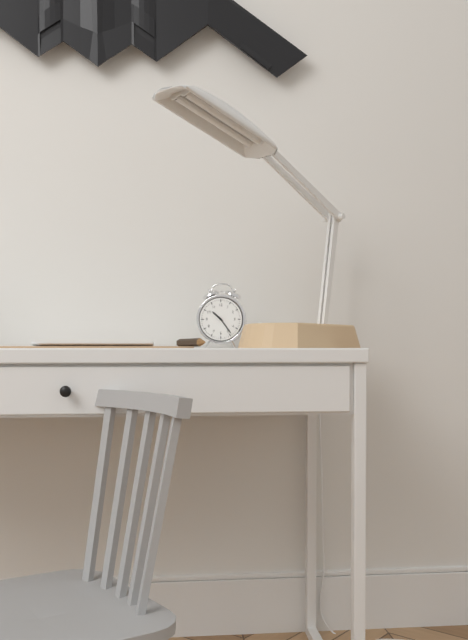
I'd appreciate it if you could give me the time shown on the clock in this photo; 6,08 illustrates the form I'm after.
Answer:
10,24
